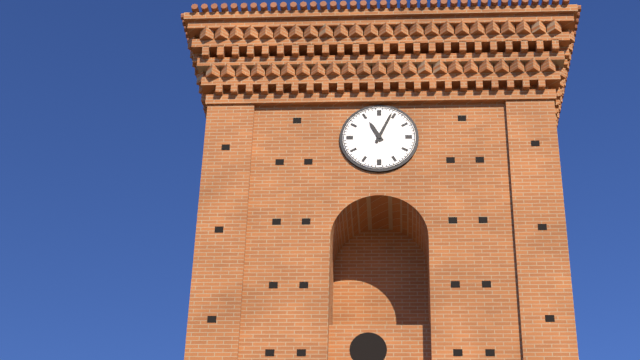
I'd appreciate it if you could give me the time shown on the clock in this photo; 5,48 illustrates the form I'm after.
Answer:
11,04
